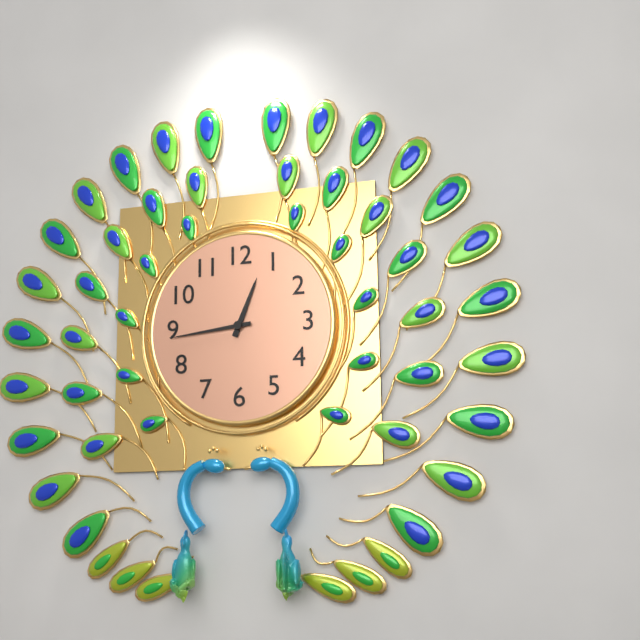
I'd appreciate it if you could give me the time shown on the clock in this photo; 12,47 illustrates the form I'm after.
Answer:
12,44
